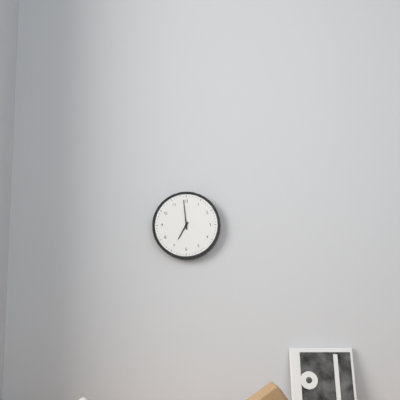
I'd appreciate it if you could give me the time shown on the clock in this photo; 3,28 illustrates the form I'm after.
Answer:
6,59
